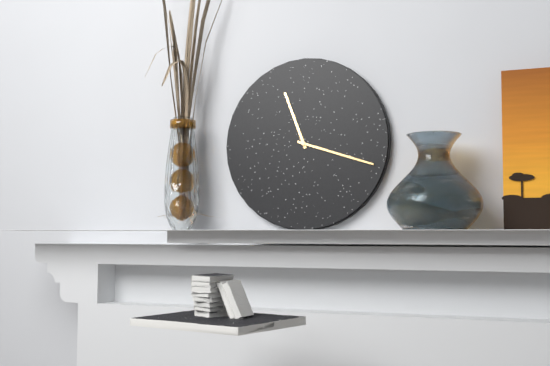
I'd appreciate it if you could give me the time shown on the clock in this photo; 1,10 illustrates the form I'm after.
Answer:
11,18
